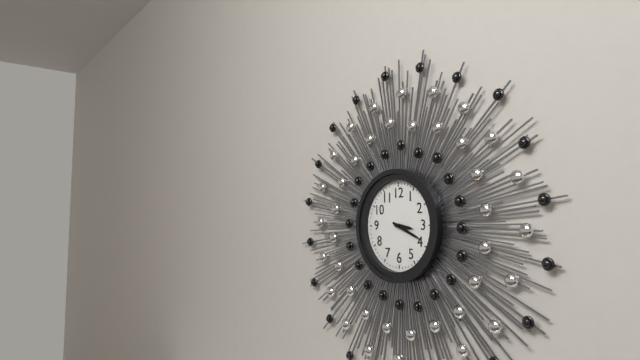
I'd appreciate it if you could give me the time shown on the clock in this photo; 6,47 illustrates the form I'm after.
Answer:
3,19
